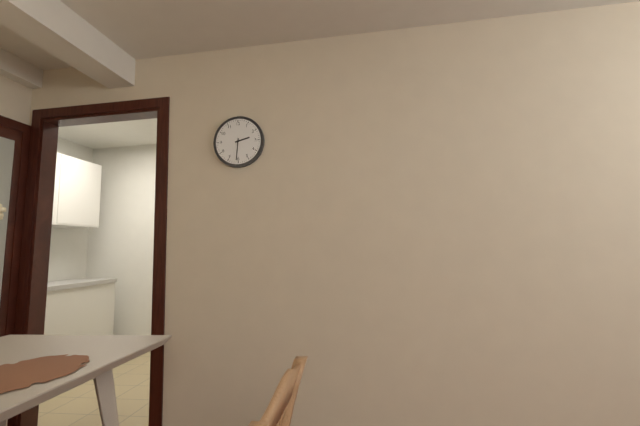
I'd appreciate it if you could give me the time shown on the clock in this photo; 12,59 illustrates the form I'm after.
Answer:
2,31
